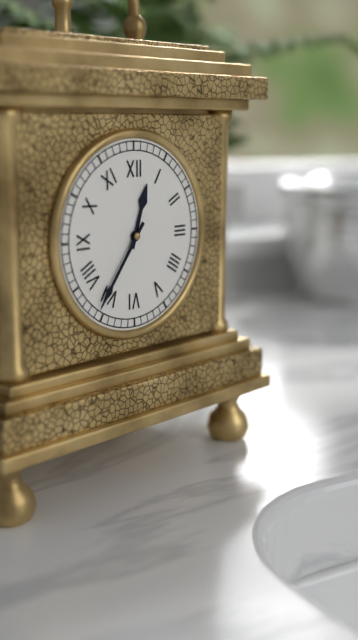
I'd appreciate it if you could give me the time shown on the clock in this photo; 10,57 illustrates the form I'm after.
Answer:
12,36
